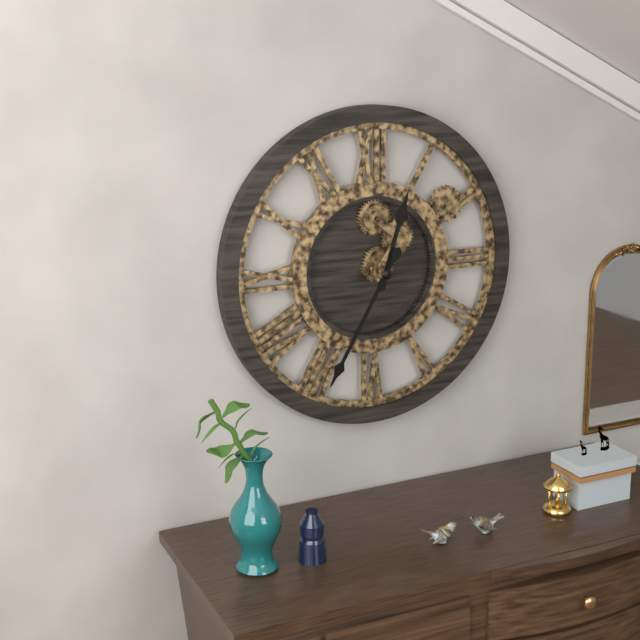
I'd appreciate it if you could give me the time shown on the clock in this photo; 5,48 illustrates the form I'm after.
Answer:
12,35
